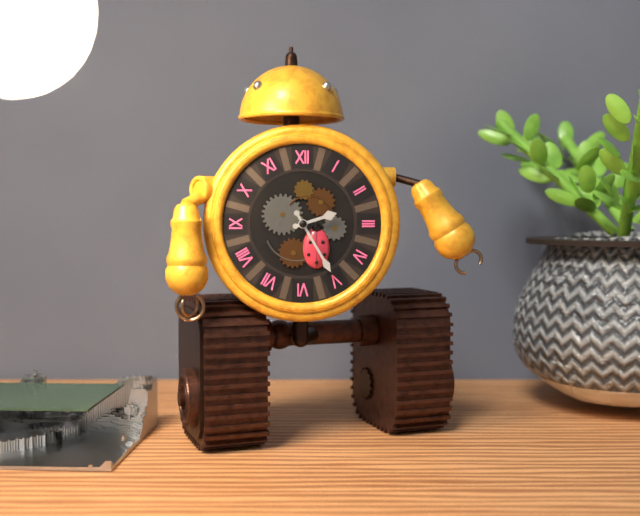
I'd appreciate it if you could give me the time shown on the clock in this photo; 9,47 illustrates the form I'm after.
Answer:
2,25
